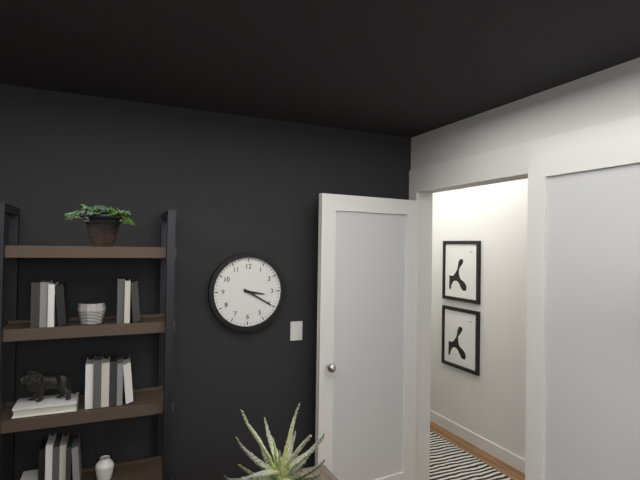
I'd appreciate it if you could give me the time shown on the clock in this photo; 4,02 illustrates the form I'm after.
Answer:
3,20
